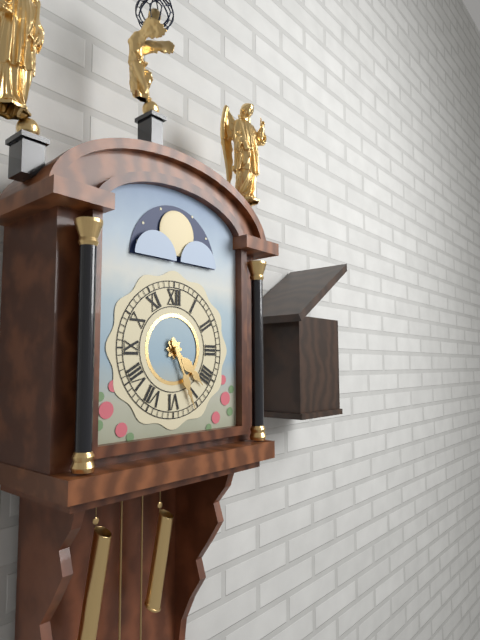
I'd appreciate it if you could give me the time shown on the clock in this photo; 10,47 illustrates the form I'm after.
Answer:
4,26
